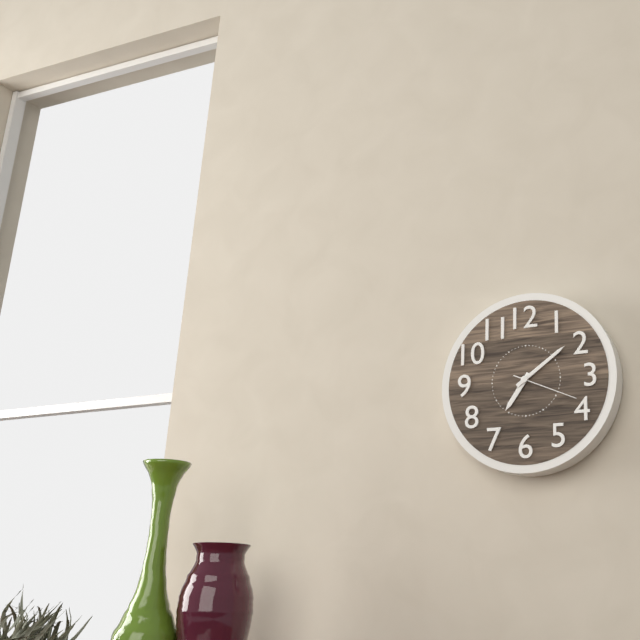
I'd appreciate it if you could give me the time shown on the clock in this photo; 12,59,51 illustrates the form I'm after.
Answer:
7,09,19
